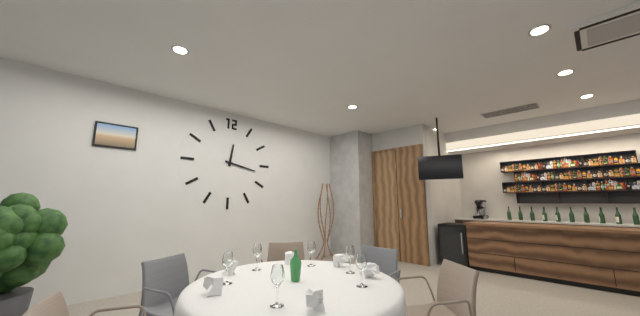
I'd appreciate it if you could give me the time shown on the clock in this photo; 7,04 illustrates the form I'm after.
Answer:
12,17
